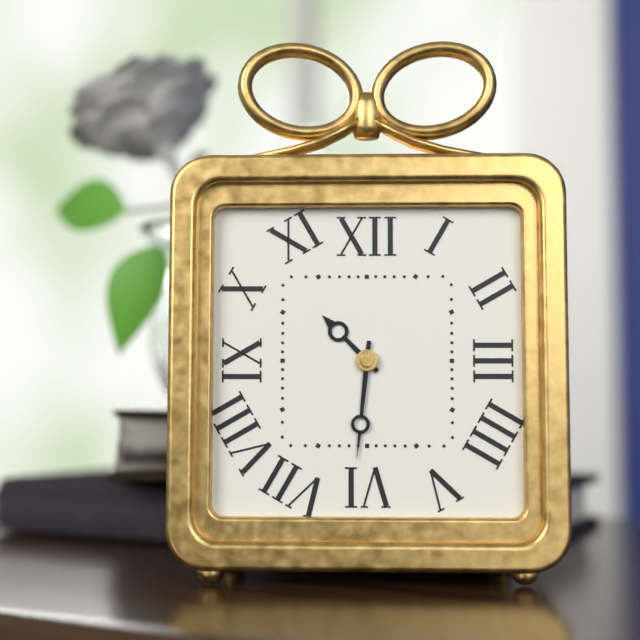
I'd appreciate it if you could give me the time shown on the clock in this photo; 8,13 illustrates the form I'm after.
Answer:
10,31
